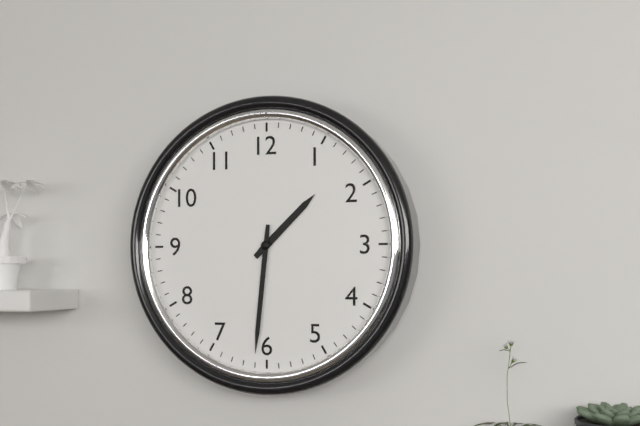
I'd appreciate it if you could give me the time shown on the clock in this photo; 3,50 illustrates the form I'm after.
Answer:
1,31
